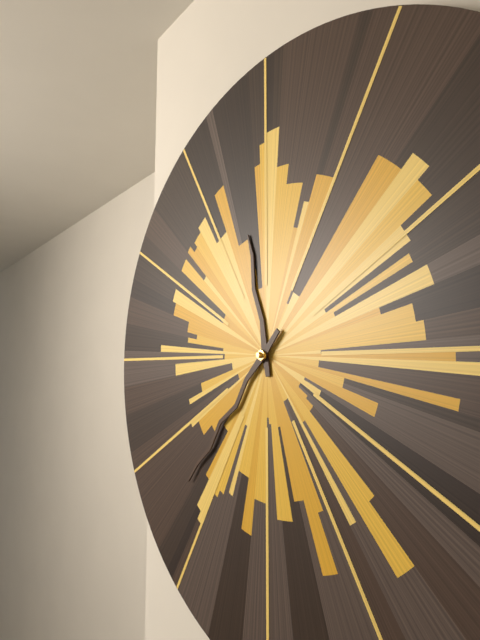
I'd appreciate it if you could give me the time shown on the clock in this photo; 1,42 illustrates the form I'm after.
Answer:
11,37
